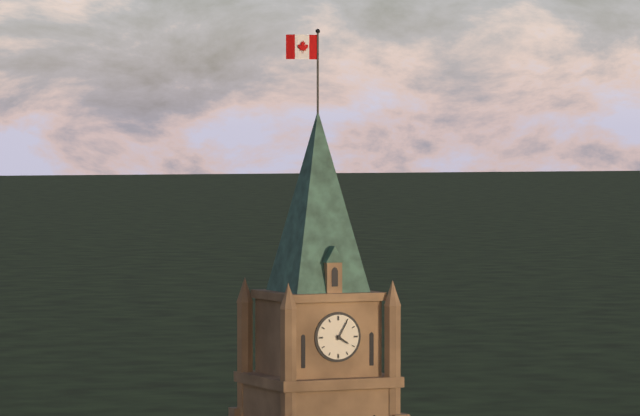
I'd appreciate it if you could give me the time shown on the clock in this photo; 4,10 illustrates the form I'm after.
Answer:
4,05
